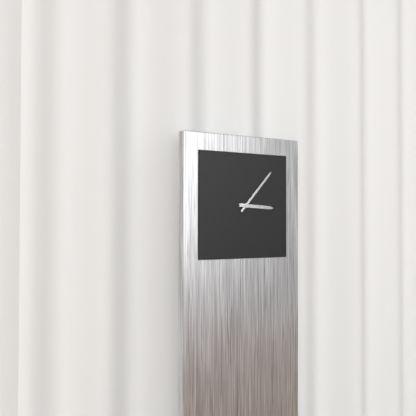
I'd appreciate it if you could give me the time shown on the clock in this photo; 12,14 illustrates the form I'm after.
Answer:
3,07
